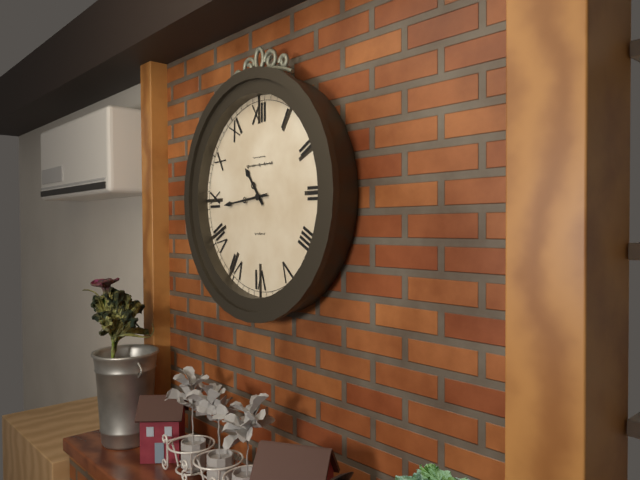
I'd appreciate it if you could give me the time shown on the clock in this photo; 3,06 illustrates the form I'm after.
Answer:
10,44
